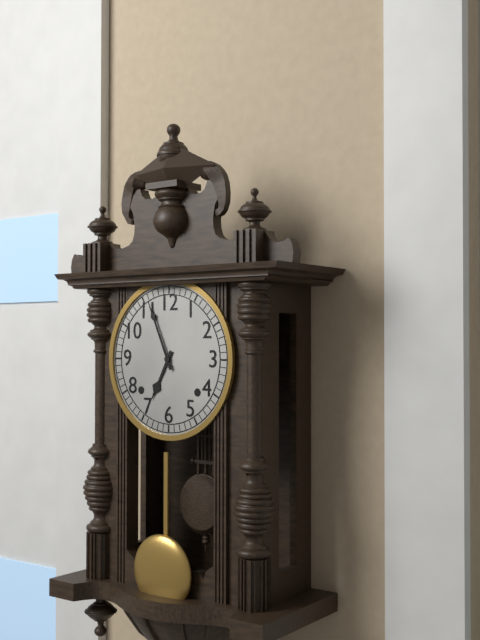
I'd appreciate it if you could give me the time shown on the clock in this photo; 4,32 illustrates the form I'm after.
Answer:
6,56
